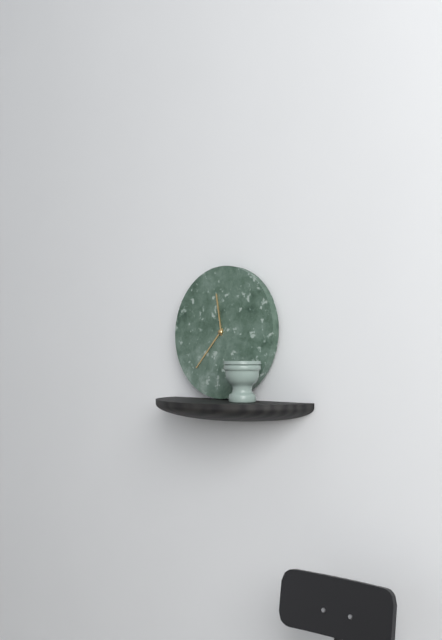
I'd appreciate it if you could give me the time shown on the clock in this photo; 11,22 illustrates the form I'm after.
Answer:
11,37
